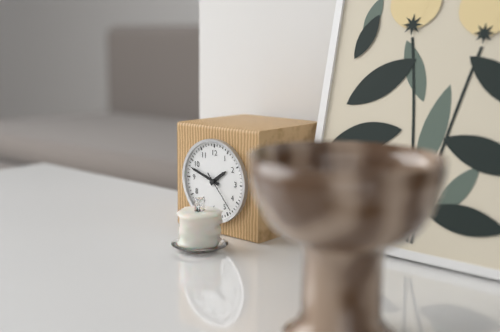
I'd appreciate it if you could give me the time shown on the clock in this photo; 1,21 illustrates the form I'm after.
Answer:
1,48
